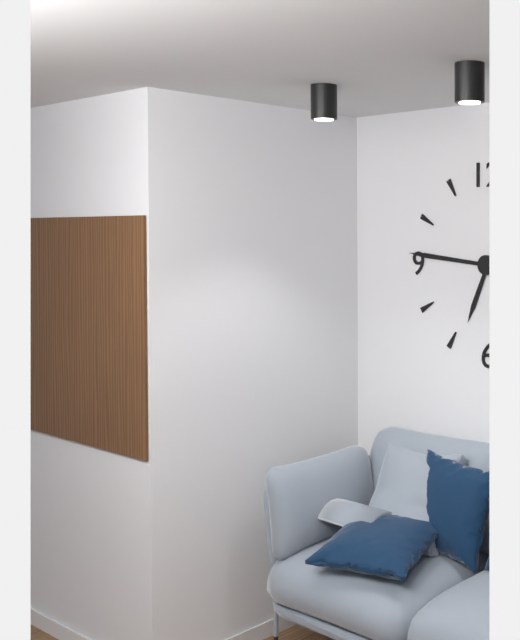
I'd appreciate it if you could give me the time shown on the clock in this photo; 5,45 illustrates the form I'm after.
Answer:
6,46
